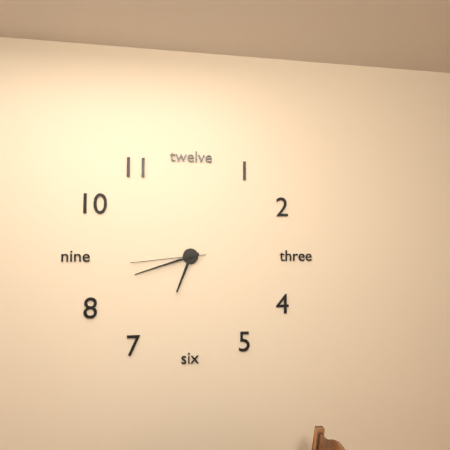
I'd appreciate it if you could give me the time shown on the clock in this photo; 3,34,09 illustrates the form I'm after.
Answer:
6,42,44
